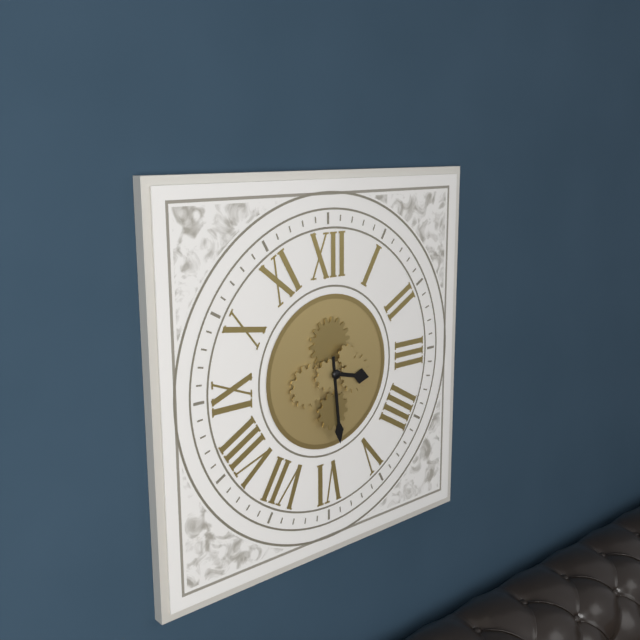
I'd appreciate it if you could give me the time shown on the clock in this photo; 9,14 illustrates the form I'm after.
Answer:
3,29
